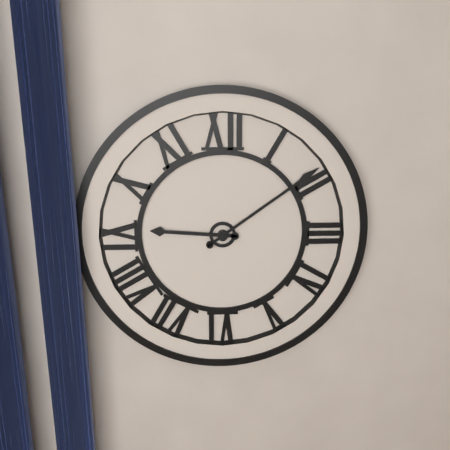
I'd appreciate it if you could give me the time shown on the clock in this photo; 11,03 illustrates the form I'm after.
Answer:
9,09
